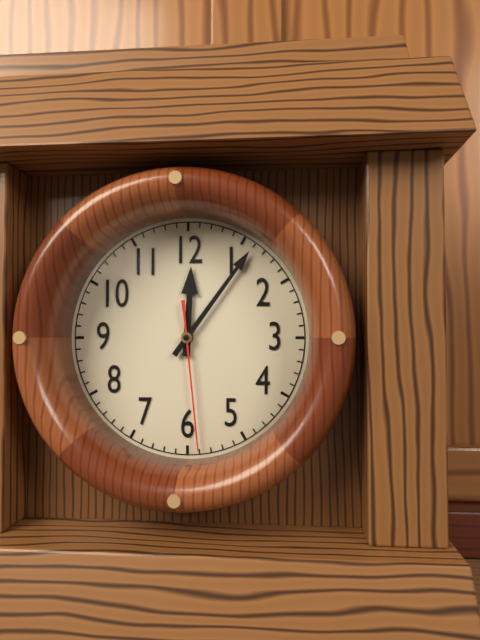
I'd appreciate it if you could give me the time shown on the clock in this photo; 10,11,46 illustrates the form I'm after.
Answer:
12,06,29
